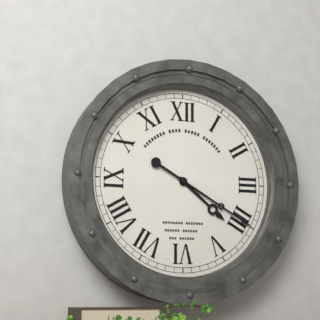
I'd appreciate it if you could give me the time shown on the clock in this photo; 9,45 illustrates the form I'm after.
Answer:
4,20
